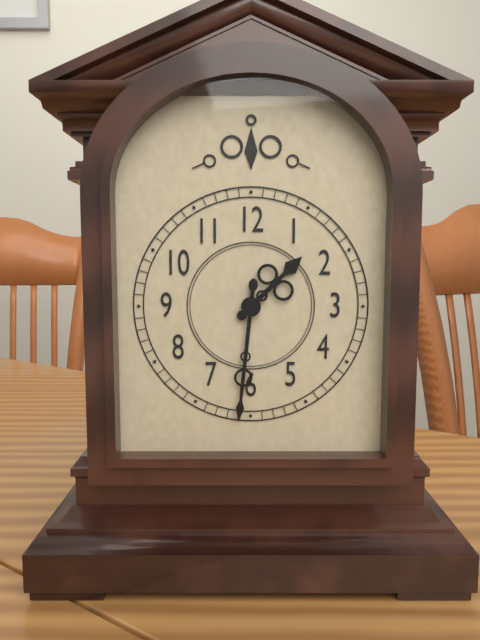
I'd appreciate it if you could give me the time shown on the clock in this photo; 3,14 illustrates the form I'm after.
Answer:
1,31
